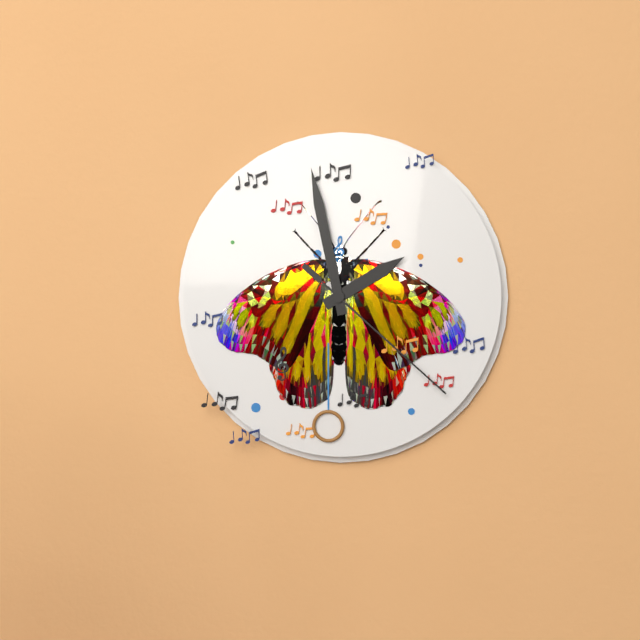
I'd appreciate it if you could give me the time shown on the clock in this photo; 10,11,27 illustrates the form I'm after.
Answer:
1,58,22
